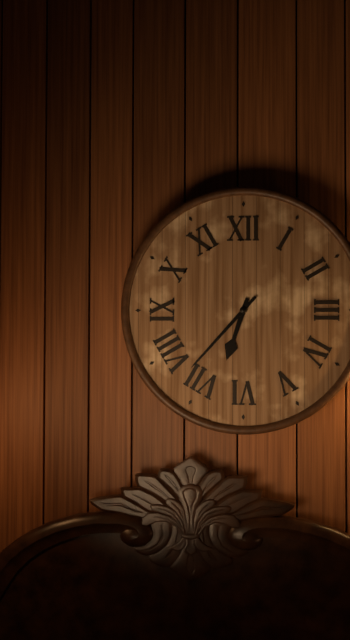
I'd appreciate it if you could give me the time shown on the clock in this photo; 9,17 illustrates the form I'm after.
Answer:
6,37
